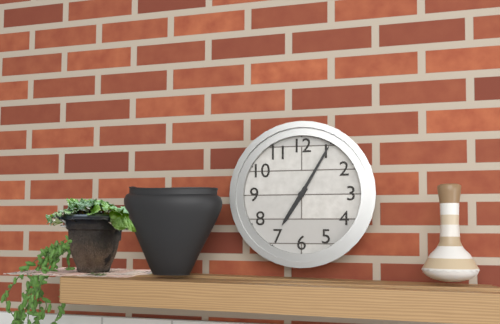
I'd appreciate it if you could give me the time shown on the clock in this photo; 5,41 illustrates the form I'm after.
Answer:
7,05
